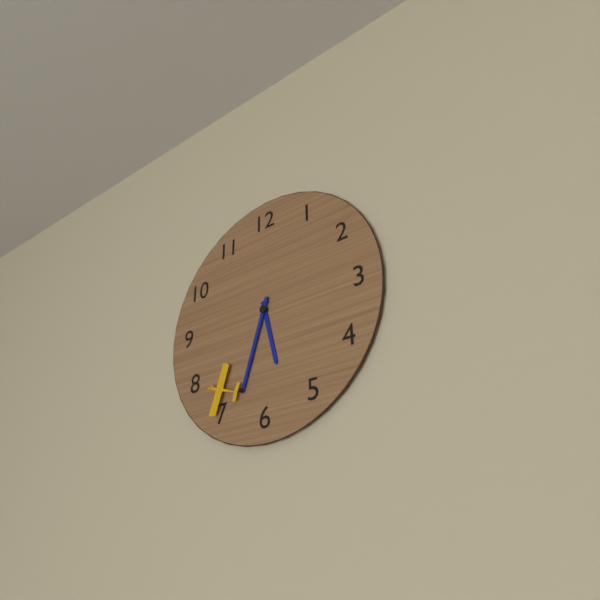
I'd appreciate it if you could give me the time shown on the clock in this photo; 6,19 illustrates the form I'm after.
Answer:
5,33
